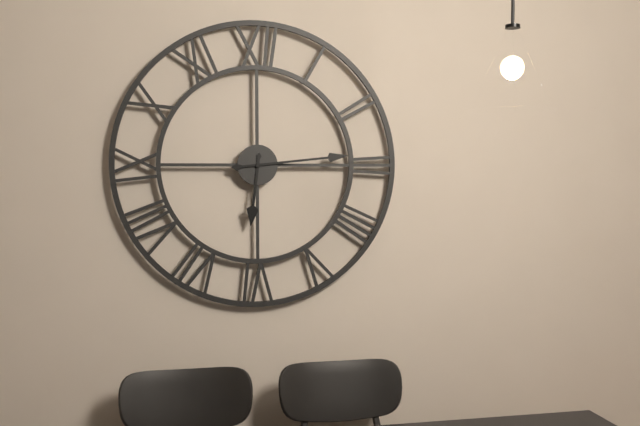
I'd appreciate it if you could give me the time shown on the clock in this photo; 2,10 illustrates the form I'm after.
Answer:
6,14
